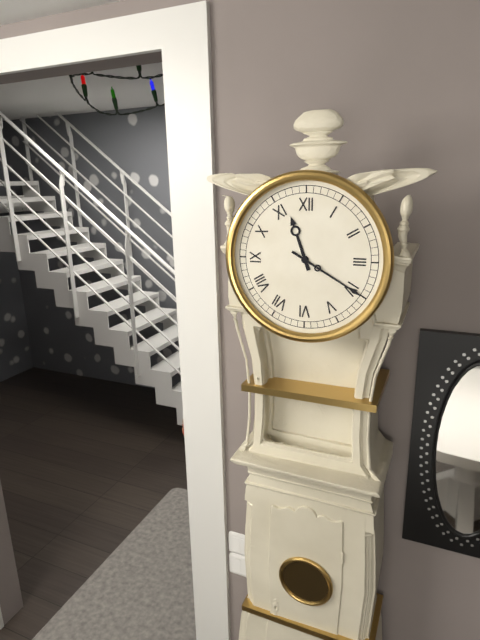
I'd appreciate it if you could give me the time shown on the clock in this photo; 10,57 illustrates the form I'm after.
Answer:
11,20
